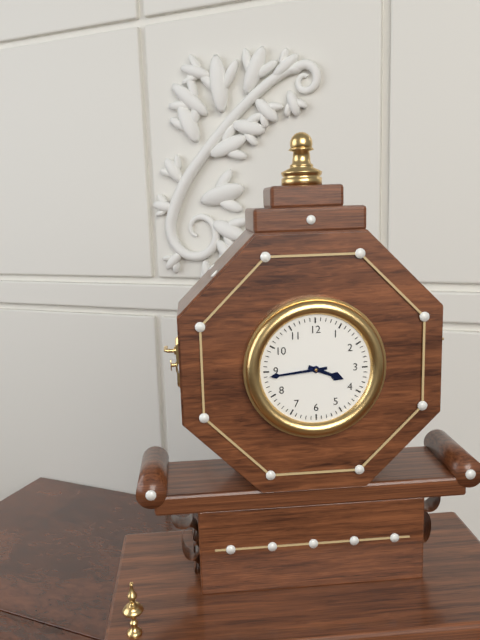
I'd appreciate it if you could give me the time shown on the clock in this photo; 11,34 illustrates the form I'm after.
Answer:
3,44
